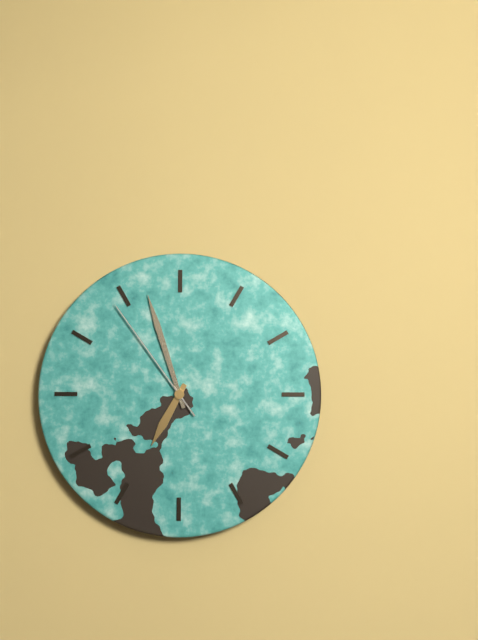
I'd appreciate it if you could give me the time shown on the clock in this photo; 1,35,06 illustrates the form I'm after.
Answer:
6,57,54
